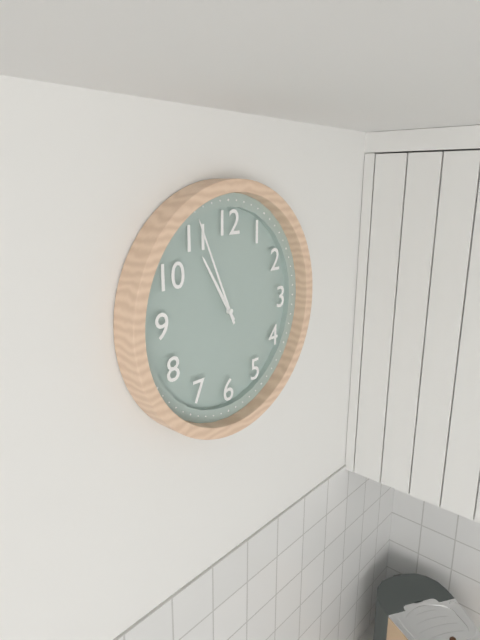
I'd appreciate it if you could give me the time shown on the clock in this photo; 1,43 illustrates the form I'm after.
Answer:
10,56
